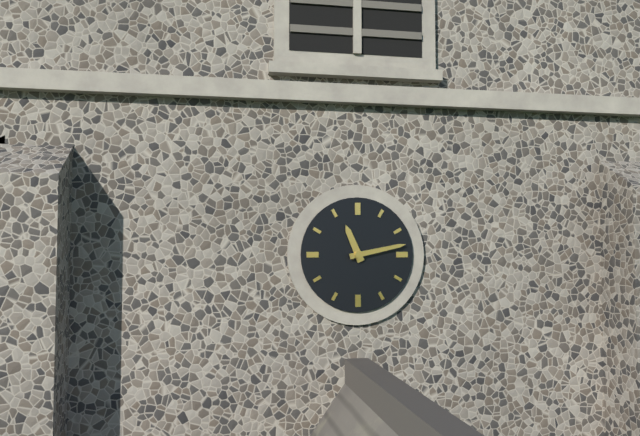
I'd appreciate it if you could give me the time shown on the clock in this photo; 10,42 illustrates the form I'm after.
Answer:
11,13
